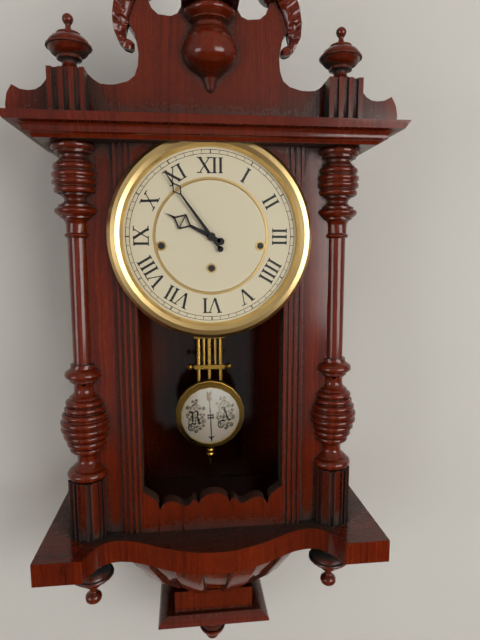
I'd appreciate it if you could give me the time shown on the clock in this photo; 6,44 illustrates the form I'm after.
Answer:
9,54
